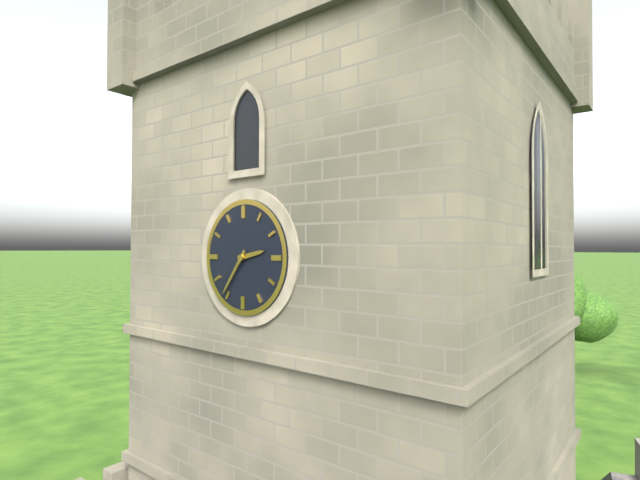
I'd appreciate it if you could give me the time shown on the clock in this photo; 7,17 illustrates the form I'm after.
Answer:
2,36
